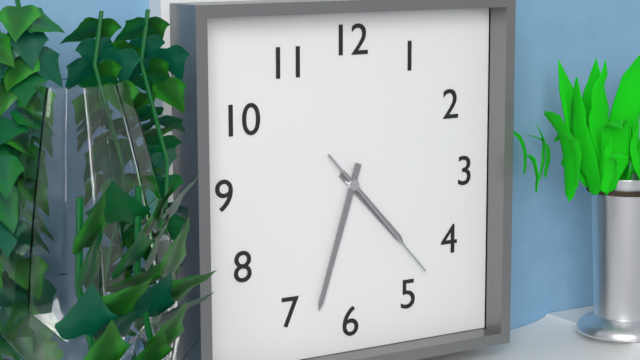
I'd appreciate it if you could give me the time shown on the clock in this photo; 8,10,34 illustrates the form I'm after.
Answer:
4,33,23
